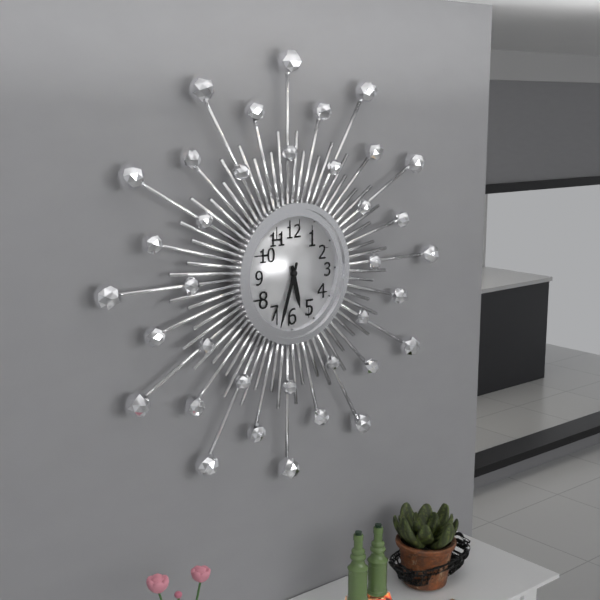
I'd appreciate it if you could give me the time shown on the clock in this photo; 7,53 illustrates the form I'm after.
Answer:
5,33
